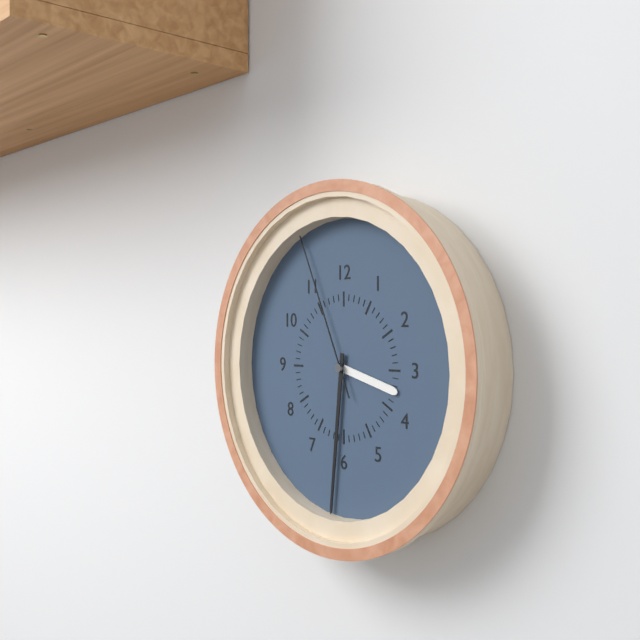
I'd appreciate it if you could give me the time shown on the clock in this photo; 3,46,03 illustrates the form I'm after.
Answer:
3,31,56
